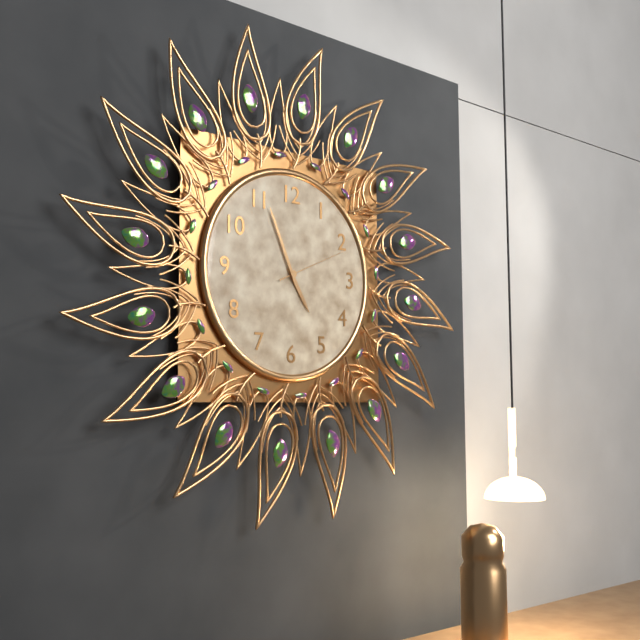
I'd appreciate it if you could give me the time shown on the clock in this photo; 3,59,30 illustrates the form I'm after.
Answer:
4,56,11
